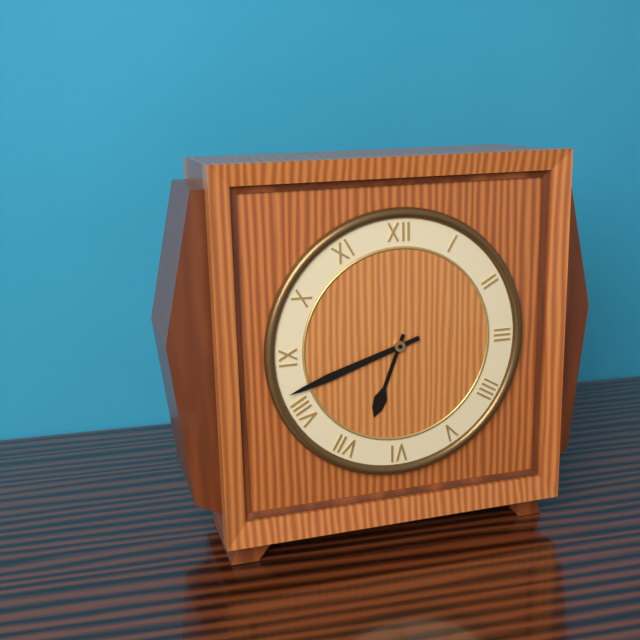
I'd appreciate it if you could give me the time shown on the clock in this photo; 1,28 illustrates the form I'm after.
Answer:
6,42
